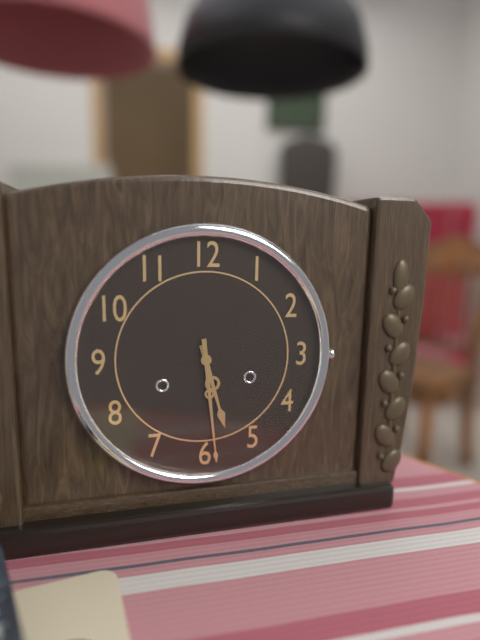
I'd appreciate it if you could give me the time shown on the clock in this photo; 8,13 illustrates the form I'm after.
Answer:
5,29
